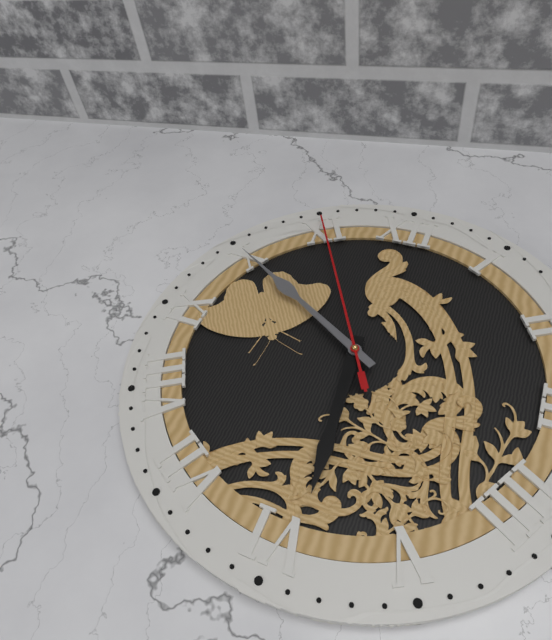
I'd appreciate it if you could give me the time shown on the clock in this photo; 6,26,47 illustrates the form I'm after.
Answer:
5,50,55
